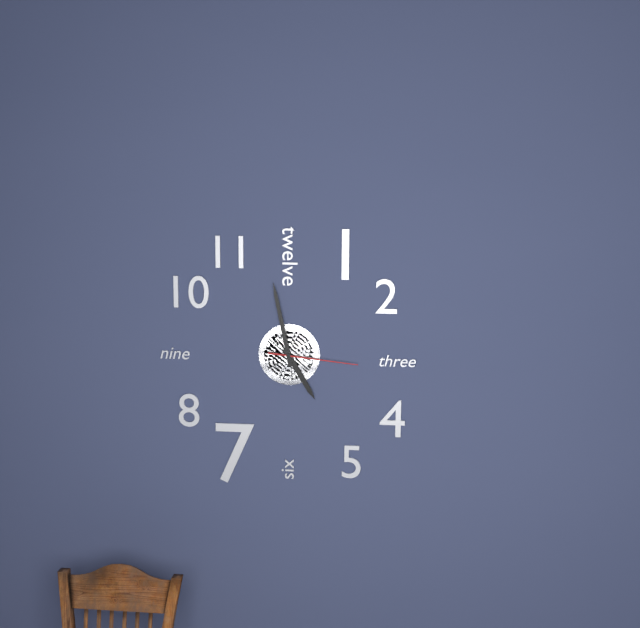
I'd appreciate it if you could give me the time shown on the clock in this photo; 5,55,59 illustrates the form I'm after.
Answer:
4,58,16
